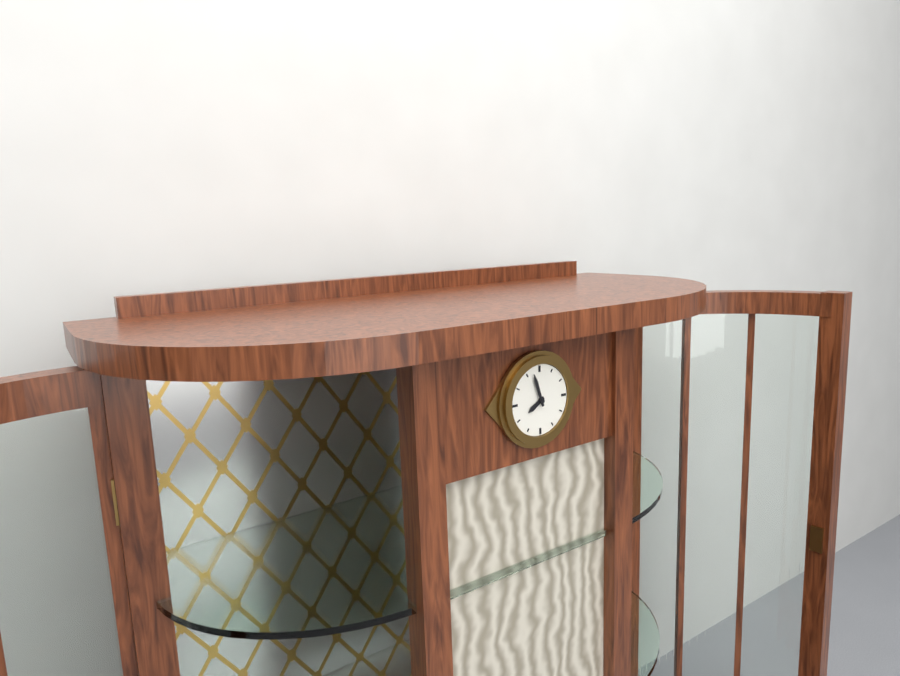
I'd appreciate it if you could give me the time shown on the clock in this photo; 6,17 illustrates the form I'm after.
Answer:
7,57
